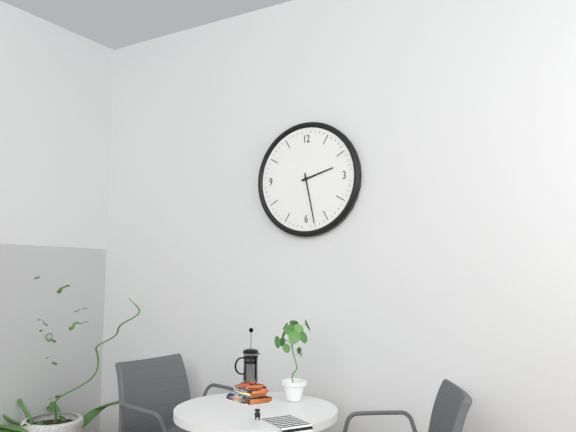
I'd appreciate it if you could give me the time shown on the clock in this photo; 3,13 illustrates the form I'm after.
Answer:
2,28
